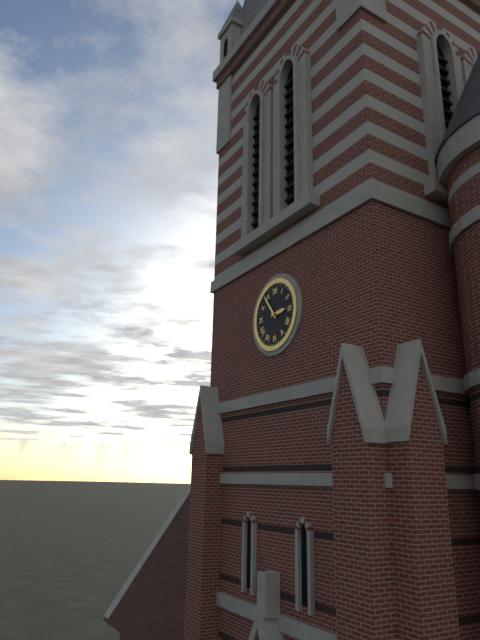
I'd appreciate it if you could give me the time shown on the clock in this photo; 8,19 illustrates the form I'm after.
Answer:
2,54
